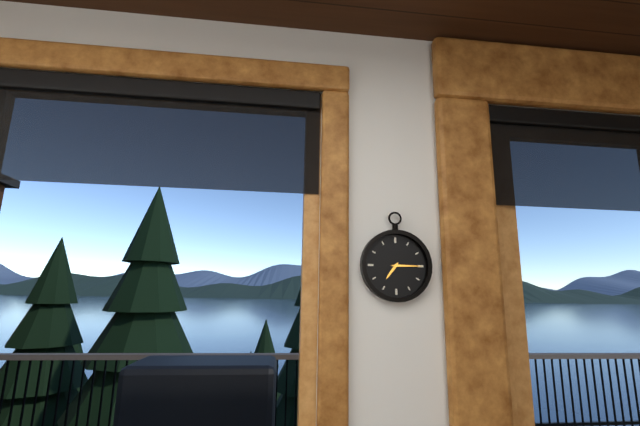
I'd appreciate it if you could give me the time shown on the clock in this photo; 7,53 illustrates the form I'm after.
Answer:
7,15
